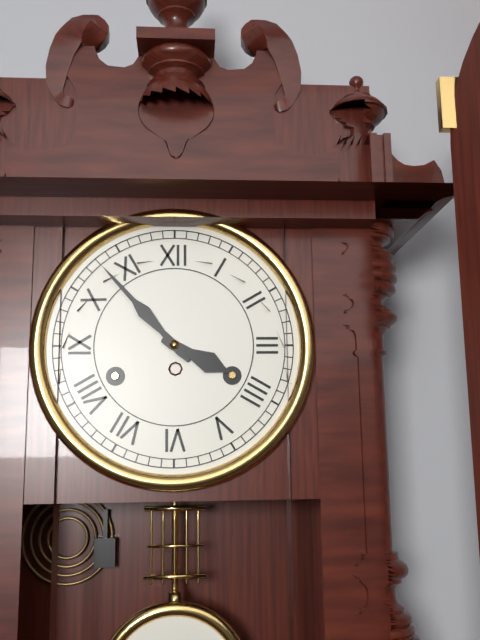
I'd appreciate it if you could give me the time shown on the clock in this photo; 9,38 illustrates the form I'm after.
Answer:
3,53
